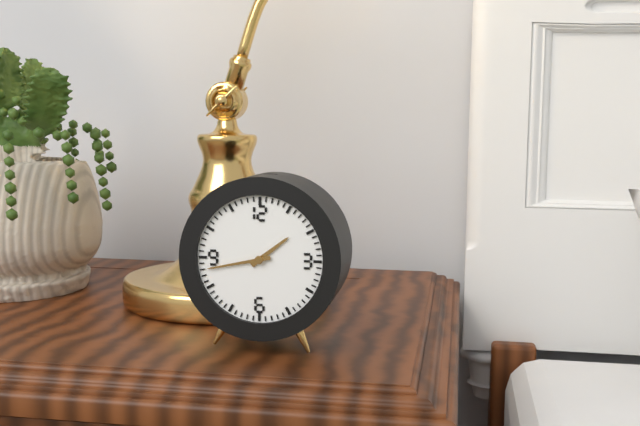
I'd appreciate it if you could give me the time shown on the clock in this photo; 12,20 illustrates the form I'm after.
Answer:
1,43
